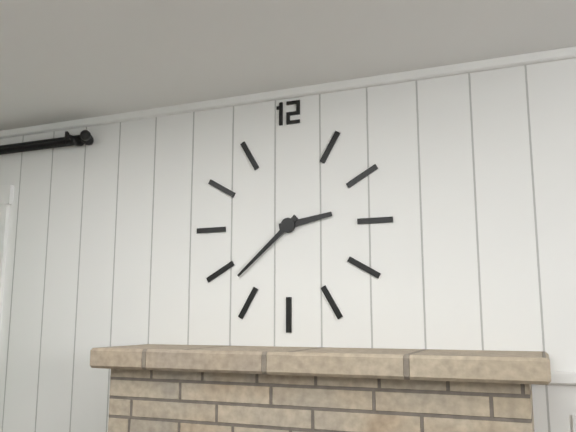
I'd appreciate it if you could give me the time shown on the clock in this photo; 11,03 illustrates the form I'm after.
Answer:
2,38
